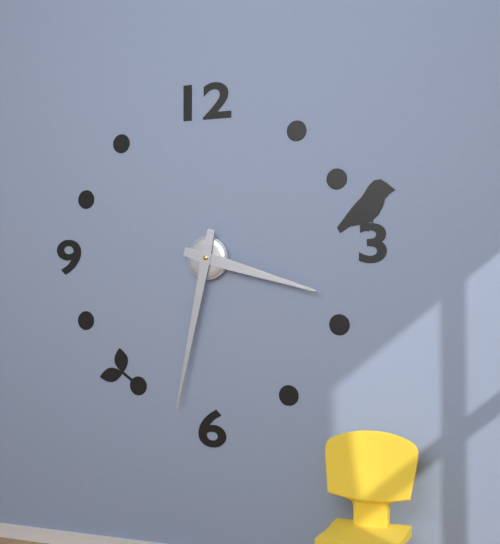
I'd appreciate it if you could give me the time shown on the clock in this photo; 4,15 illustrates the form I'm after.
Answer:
3,32
